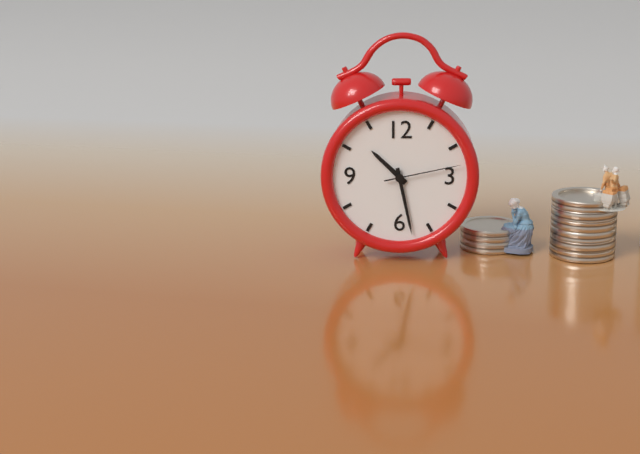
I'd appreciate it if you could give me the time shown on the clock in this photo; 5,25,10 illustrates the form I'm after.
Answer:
10,28,13
